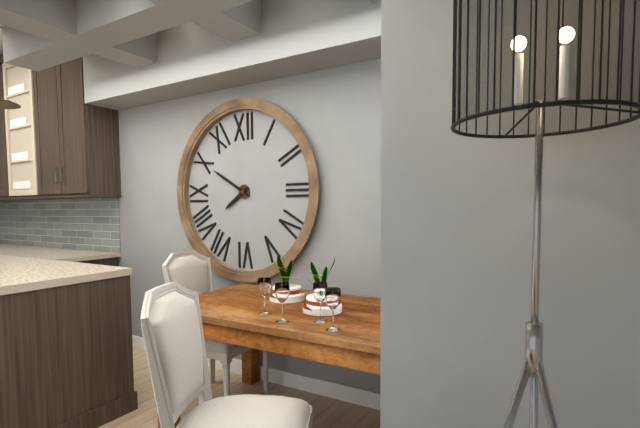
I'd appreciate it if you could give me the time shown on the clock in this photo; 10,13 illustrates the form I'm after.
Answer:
7,50
